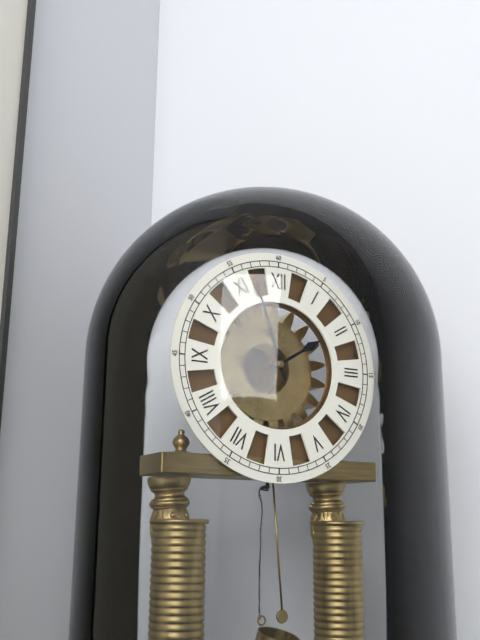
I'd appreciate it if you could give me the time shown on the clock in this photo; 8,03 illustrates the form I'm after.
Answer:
1,57
